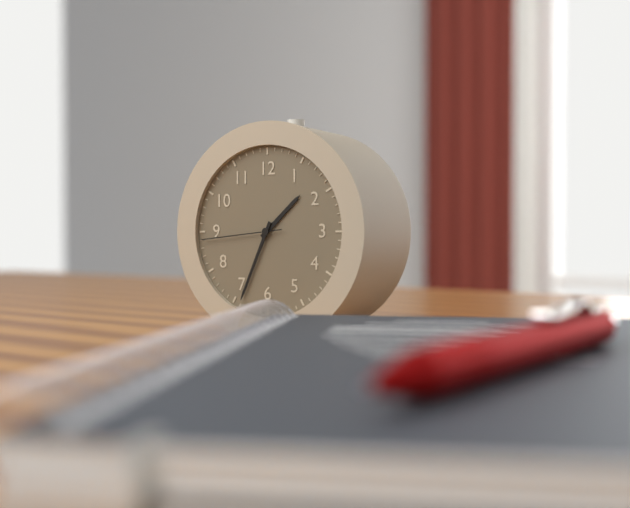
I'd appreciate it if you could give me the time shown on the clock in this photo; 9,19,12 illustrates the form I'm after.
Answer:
1,34,44
